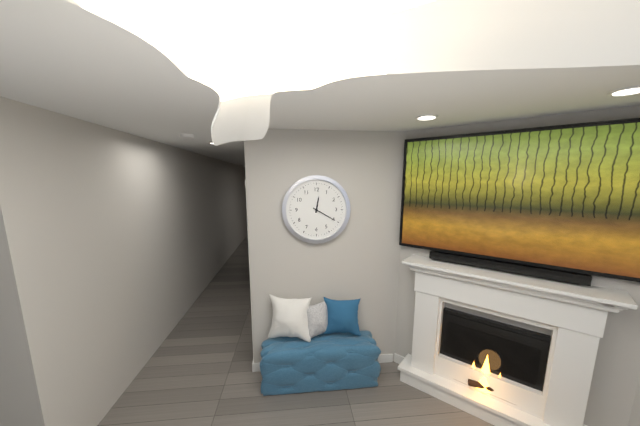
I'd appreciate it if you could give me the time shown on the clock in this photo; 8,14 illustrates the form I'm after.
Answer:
12,20
